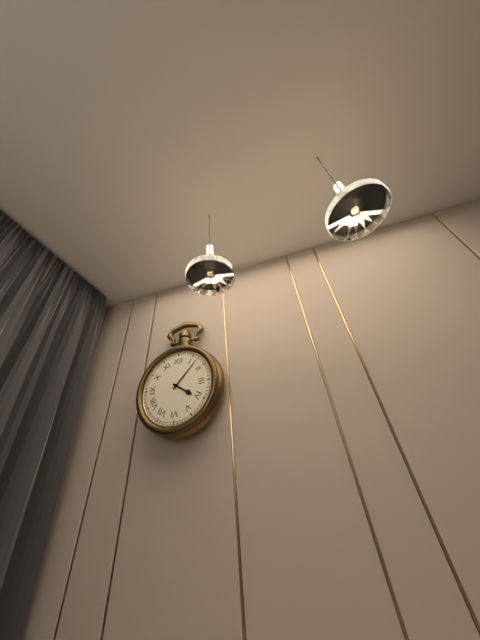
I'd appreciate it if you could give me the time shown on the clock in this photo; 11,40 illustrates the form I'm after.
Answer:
4,07
